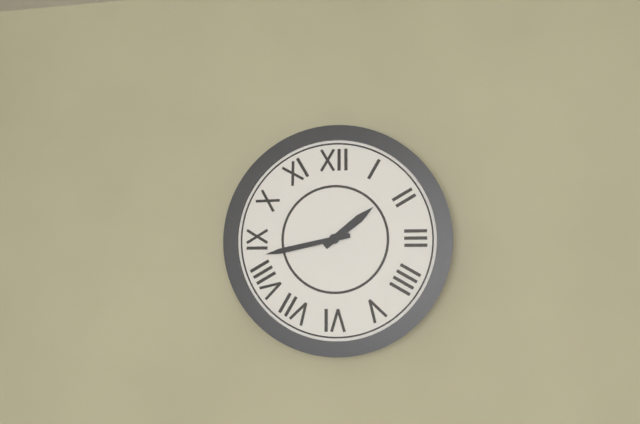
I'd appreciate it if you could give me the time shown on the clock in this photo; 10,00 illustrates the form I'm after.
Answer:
1,43
